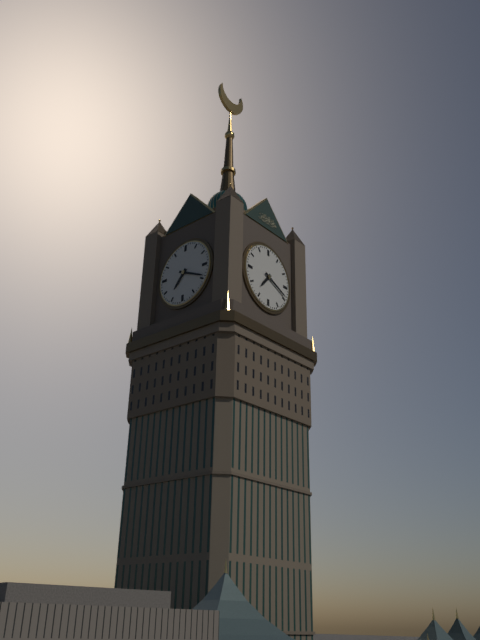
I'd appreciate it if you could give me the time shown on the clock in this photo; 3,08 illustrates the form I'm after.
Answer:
7,19
